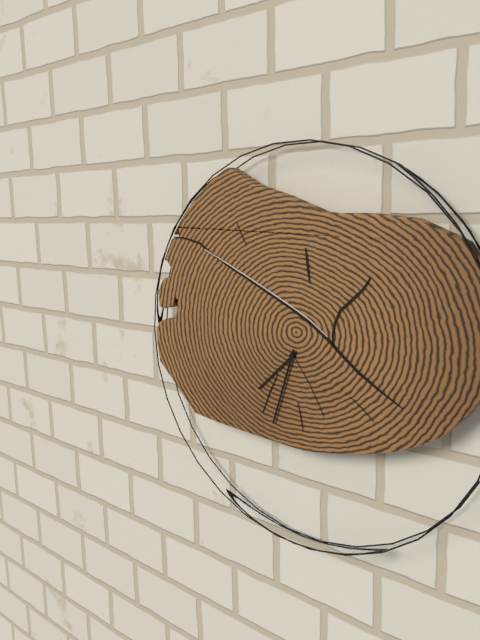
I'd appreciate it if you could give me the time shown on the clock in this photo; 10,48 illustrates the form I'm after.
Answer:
7,33
